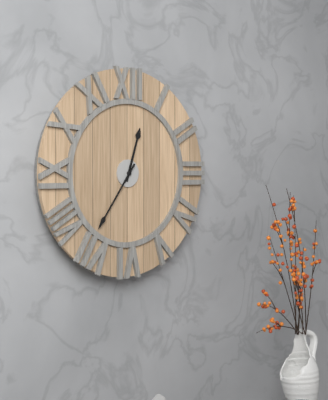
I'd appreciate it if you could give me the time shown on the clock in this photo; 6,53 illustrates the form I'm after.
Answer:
12,36
